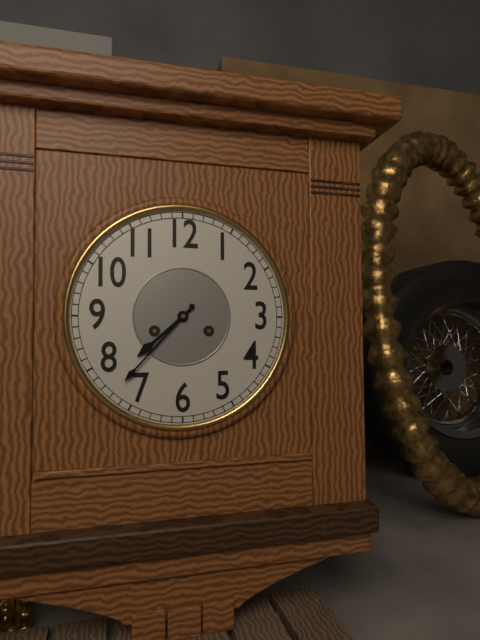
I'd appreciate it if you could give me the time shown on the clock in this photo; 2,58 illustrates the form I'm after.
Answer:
7,37
